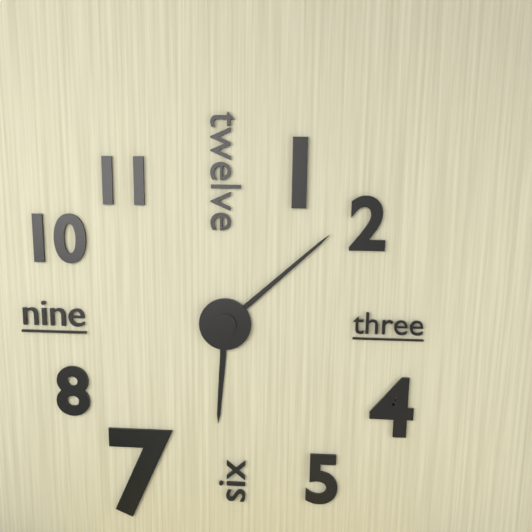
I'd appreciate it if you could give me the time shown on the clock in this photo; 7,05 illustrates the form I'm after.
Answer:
6,08
